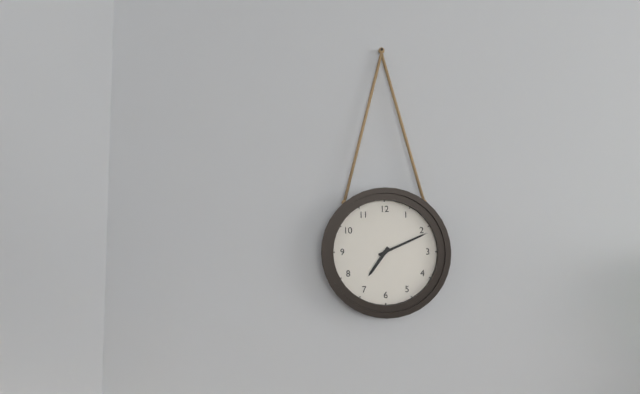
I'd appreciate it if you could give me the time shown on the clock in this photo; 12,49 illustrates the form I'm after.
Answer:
7,11
